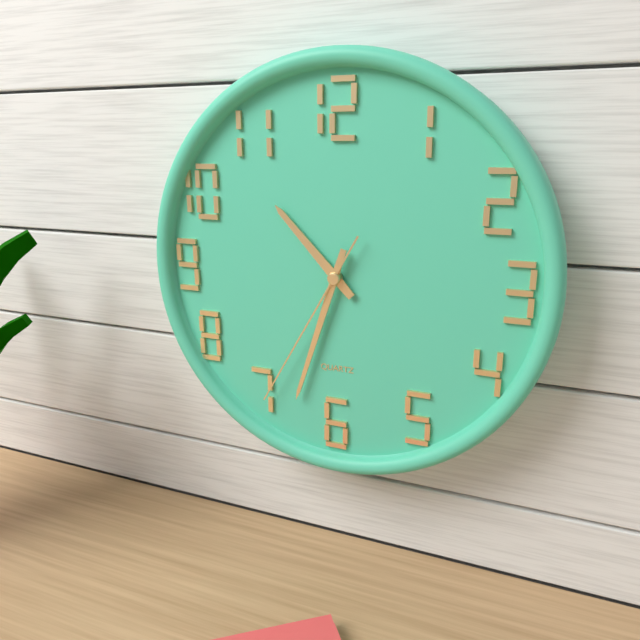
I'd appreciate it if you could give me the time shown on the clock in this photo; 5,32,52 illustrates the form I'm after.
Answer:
10,33,35
